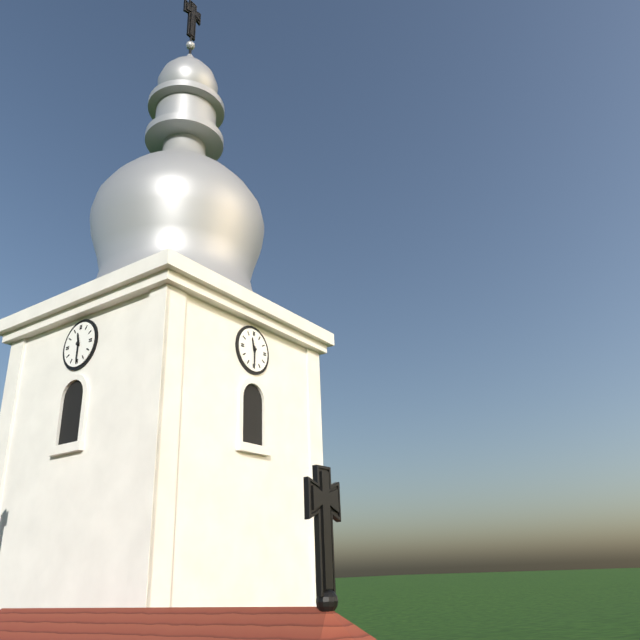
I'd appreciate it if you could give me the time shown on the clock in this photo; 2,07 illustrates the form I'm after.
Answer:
11,30
